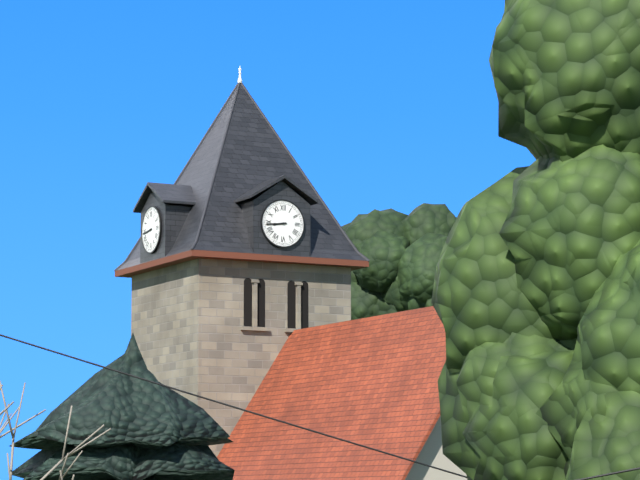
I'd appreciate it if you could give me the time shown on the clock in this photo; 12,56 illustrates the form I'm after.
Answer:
8,44
